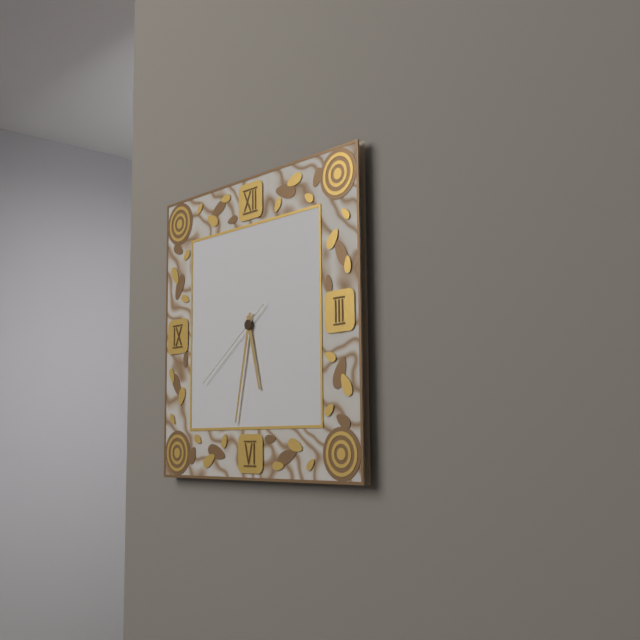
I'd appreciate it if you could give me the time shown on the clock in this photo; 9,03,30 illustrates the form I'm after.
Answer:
5,32,39
